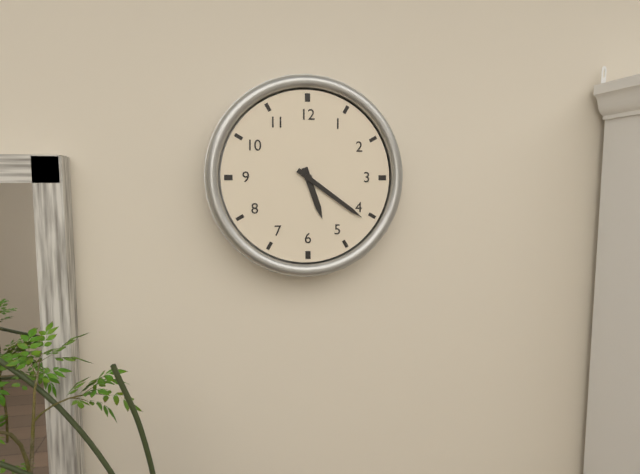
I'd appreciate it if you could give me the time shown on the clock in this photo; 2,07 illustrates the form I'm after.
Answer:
5,21
